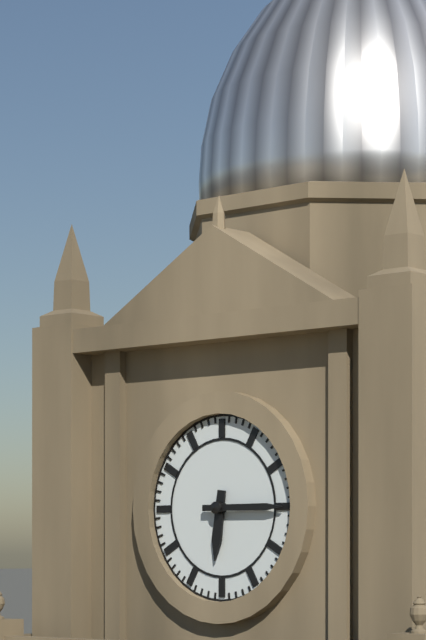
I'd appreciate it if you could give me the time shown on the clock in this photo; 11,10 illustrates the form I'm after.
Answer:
6,15
